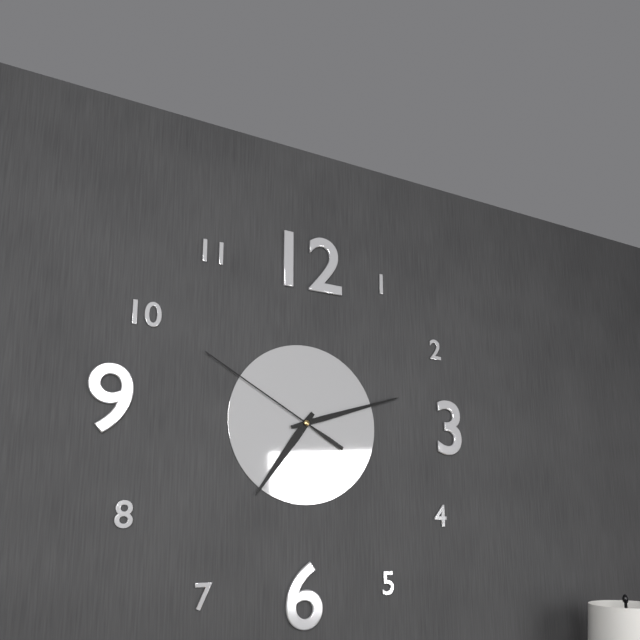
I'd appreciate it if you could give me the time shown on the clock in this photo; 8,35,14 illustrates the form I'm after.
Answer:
7,12,50
